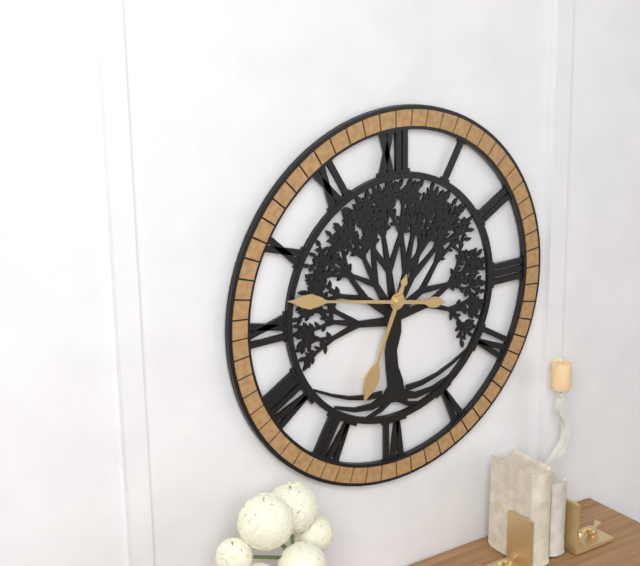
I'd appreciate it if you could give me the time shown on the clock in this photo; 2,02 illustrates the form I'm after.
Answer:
6,47
